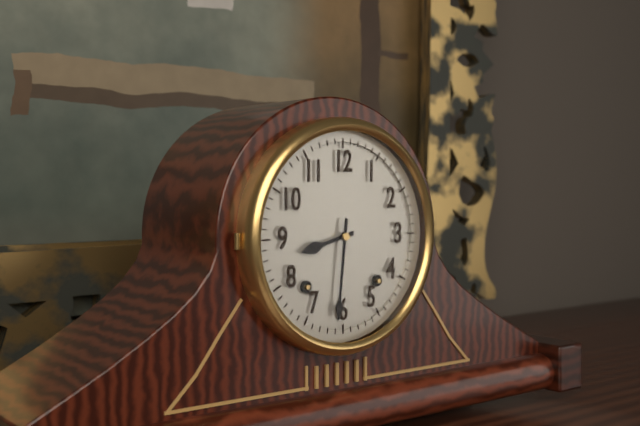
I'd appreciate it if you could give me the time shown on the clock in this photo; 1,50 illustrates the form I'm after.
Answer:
8,31
